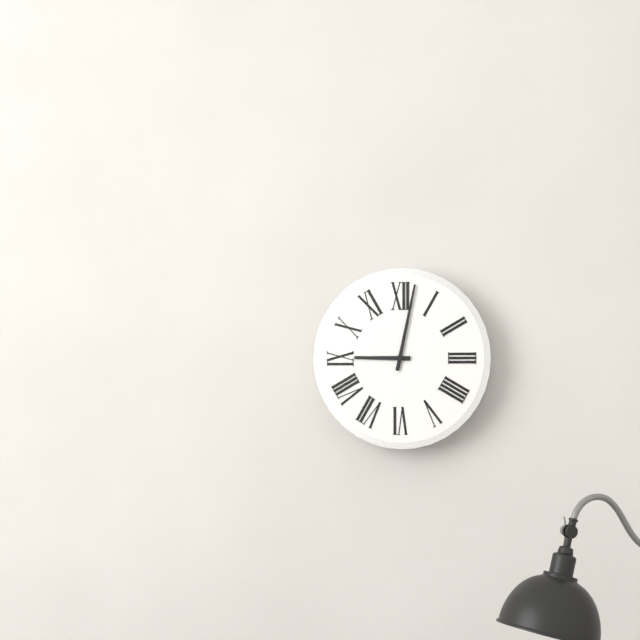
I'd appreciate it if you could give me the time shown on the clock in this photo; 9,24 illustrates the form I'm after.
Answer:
9,02
